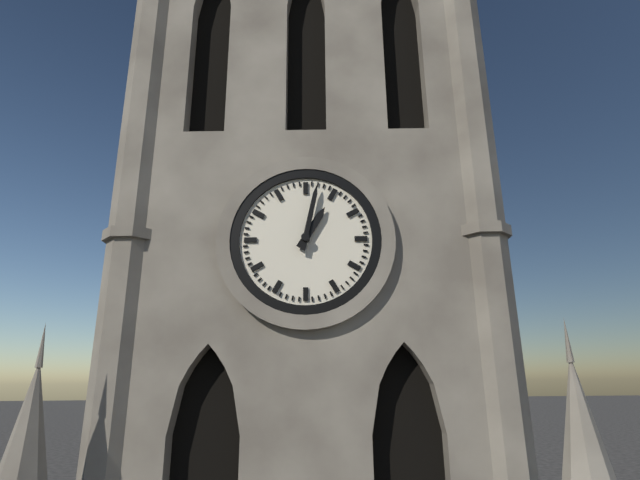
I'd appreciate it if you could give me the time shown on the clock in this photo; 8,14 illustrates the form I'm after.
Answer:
1,02
